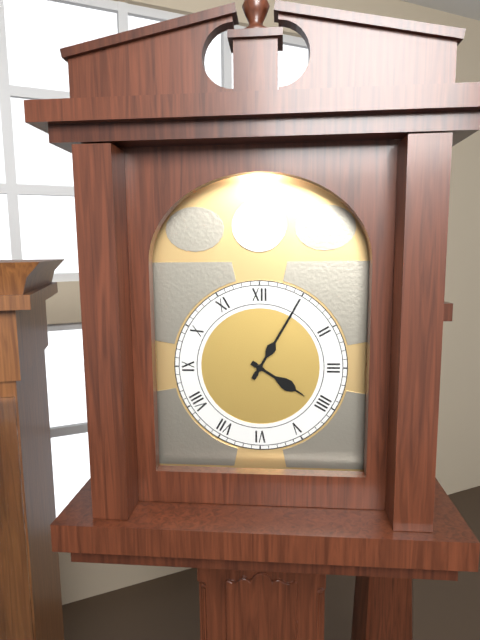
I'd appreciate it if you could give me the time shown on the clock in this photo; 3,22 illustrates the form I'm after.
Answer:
4,05
